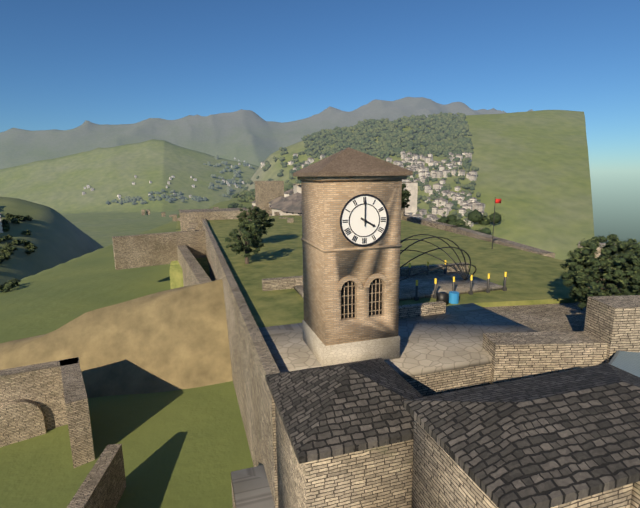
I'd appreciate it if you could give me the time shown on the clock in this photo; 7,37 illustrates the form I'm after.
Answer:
4,00
